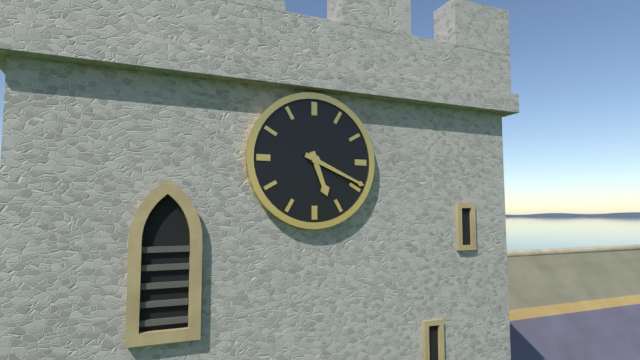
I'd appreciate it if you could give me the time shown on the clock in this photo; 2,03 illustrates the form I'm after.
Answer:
5,19
